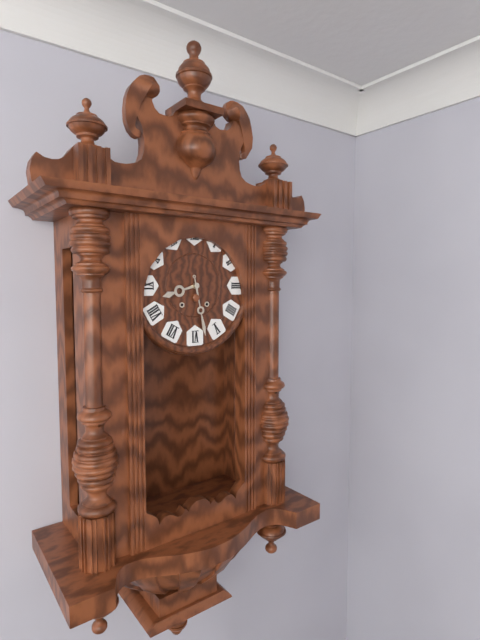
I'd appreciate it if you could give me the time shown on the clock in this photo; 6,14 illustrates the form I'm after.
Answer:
8,28
